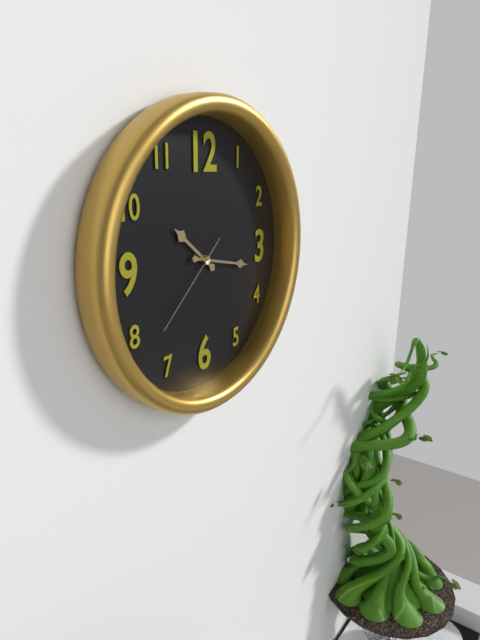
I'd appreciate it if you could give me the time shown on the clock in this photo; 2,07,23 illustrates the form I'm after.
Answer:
10,17,38
